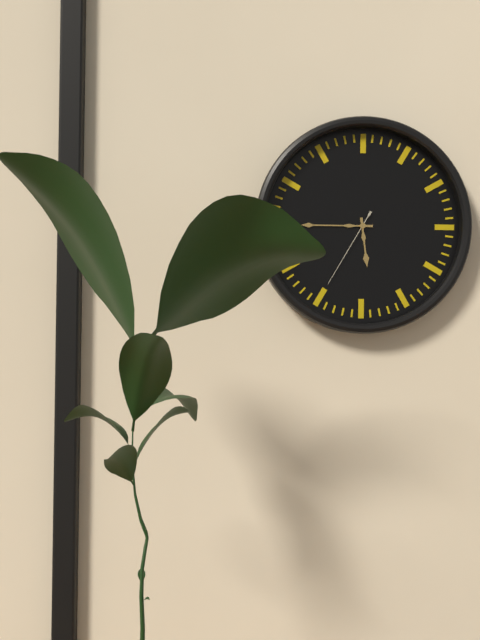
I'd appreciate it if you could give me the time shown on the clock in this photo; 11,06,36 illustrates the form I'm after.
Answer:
5,45,35
